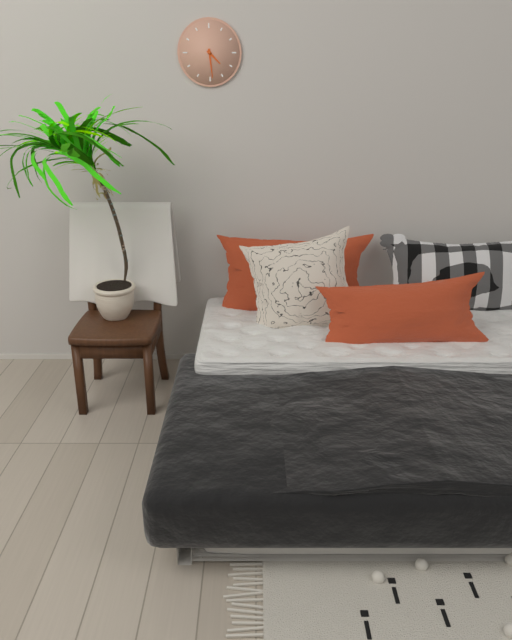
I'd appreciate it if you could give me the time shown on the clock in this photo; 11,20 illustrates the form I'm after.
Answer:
4,29
